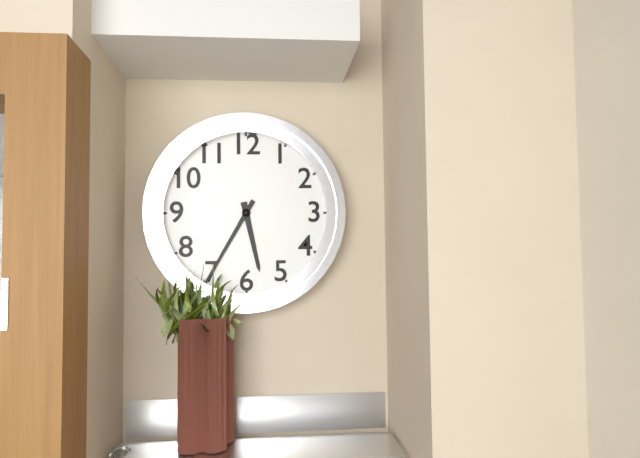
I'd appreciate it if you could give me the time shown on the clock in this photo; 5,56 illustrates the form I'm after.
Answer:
5,35
